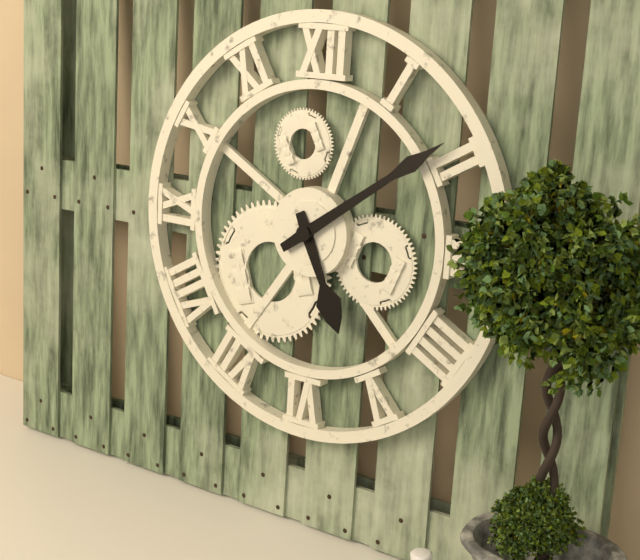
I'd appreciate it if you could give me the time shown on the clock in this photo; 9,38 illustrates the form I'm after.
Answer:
5,09
